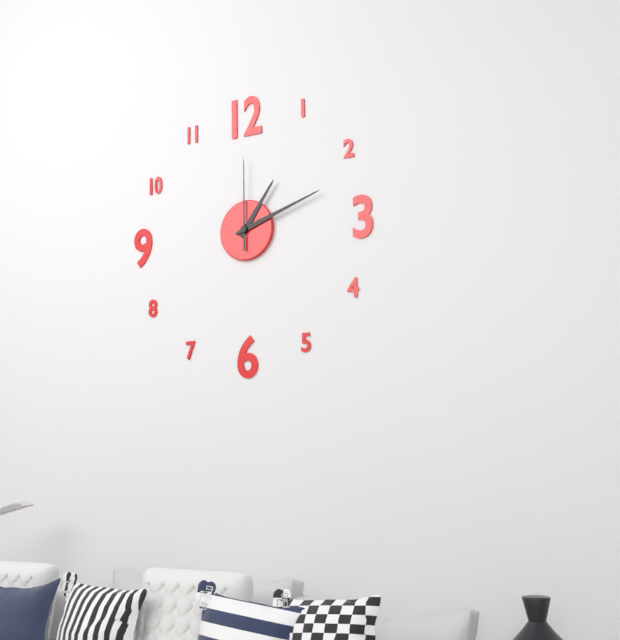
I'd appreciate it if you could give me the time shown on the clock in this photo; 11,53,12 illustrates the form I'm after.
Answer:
1,12,00
